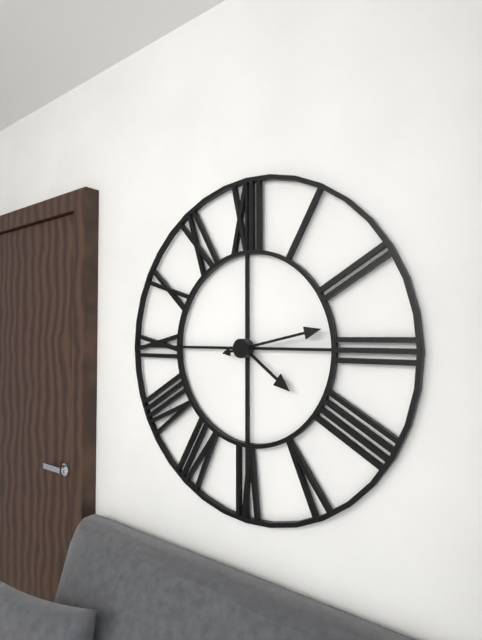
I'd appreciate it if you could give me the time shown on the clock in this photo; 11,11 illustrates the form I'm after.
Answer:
4,13
